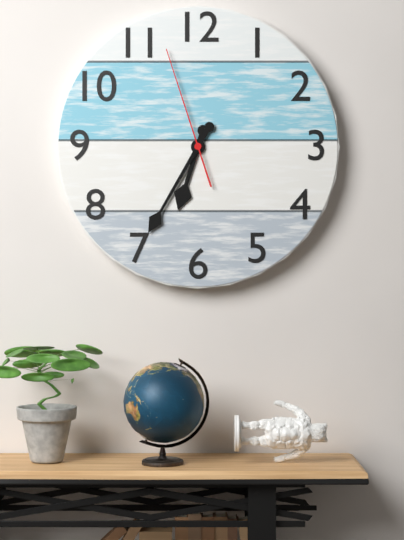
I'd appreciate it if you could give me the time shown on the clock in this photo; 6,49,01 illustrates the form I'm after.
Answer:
6,35,57
